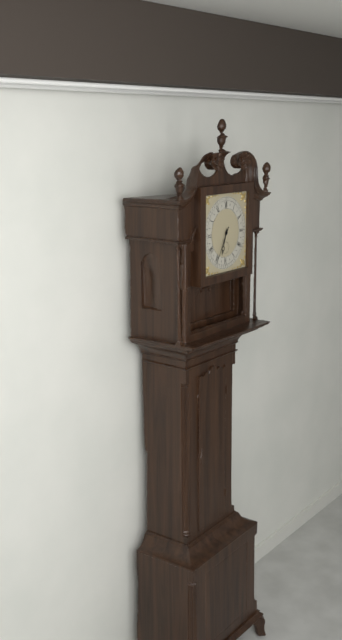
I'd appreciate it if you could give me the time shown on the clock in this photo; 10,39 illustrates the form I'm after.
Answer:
6,35
